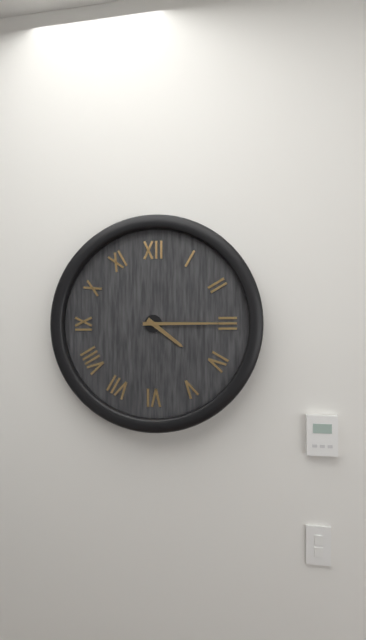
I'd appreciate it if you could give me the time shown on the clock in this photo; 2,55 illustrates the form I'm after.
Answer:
4,15
